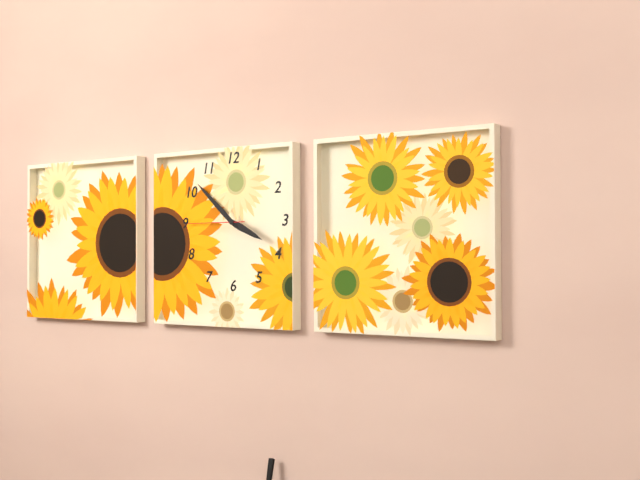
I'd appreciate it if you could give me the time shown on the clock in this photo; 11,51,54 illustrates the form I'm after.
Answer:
3,52,45
